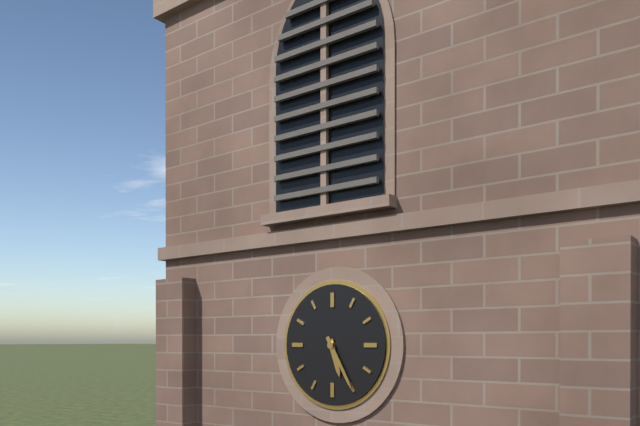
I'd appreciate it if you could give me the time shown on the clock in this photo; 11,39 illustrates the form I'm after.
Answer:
5,25
